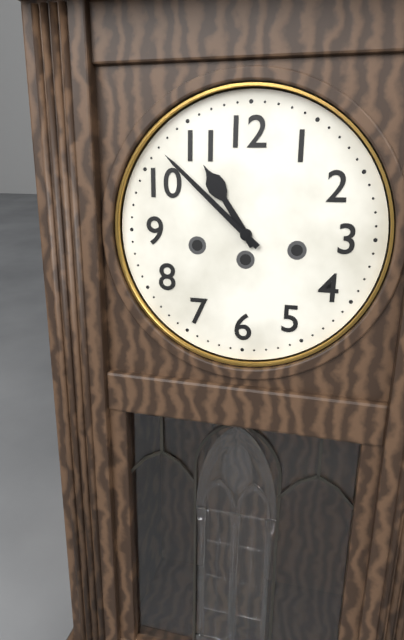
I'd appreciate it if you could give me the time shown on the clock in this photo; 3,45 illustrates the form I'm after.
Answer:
10,52
